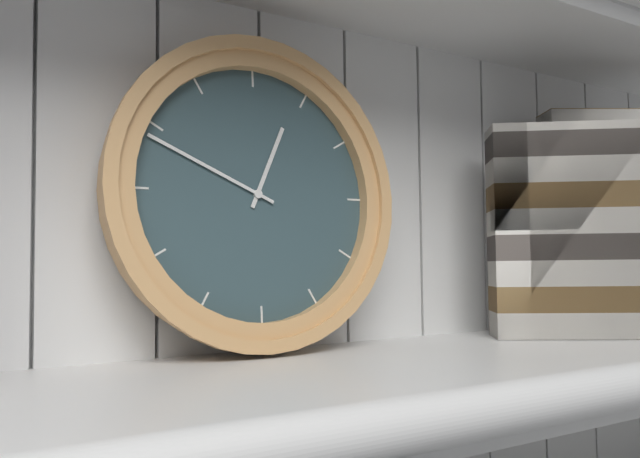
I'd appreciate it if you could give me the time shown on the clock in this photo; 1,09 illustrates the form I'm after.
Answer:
12,49
